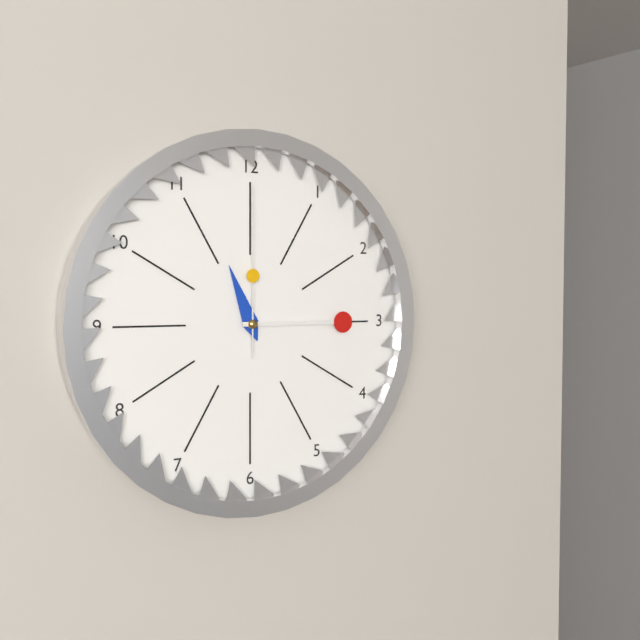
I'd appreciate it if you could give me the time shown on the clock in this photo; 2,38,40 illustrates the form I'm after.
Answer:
11,15,00
